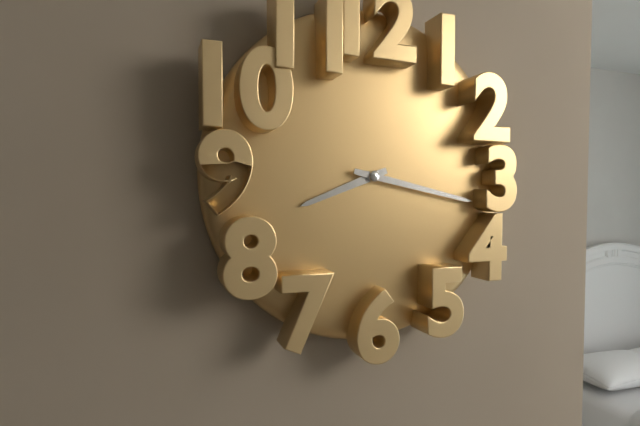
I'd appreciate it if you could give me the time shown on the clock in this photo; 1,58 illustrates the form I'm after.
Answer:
8,17
